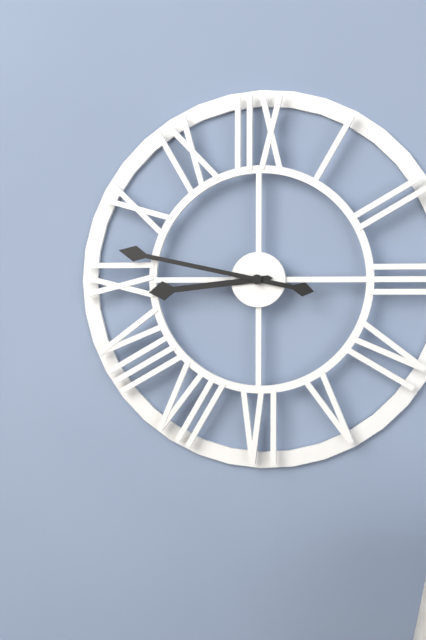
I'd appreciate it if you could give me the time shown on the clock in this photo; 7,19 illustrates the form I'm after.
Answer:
8,47
